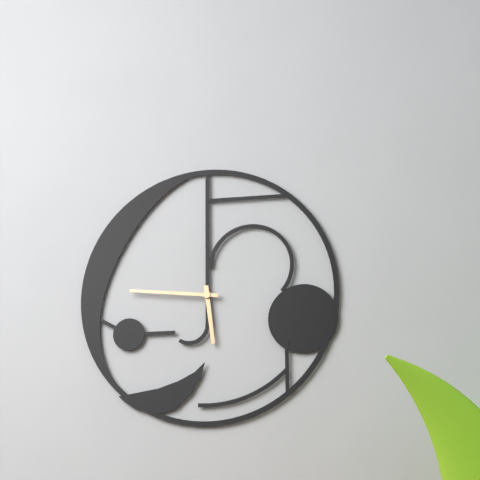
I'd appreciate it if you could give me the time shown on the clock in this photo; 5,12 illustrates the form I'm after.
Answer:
5,46
